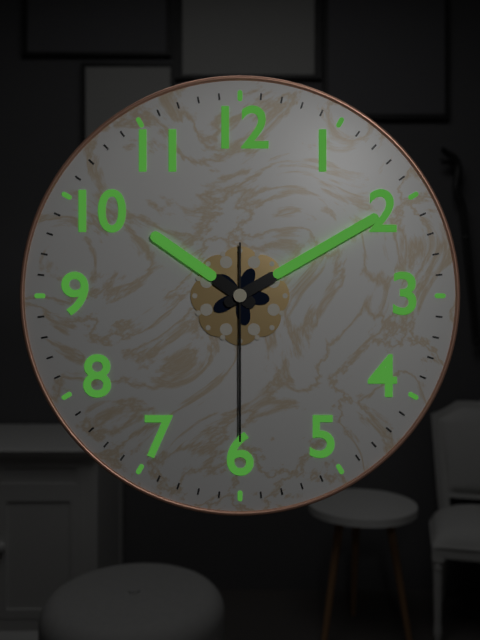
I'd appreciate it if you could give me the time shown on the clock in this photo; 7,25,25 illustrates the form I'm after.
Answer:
10,10,30
